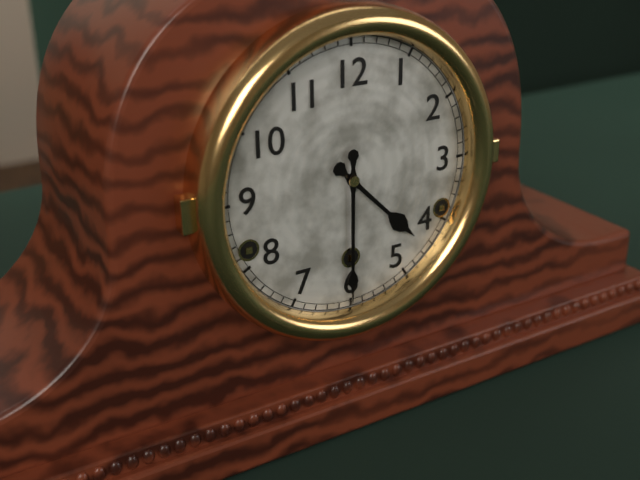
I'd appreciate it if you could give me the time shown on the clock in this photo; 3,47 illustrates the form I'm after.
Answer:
4,30
